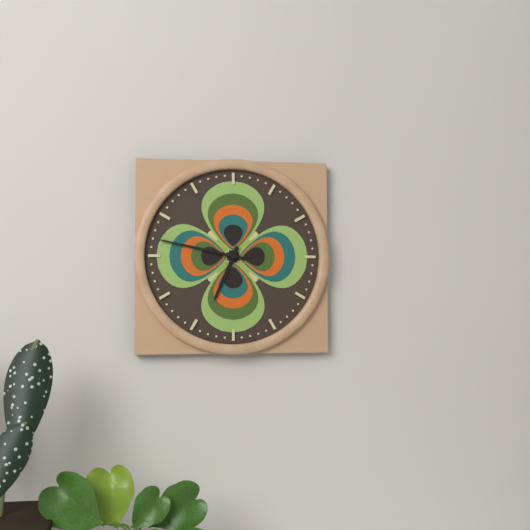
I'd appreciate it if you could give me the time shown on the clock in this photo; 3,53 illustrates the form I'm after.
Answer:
6,47
